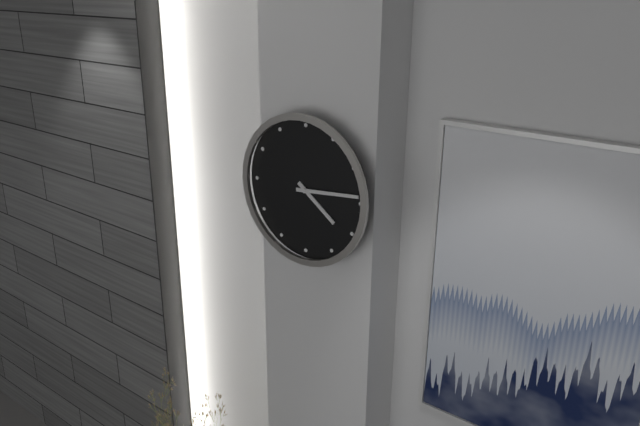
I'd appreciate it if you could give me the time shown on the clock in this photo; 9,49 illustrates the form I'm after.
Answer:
4,14
